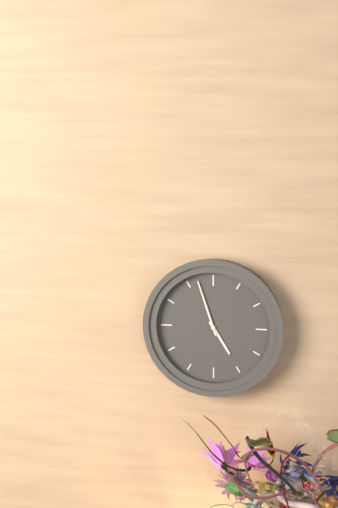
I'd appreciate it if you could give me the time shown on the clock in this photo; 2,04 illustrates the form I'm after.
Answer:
4,57
